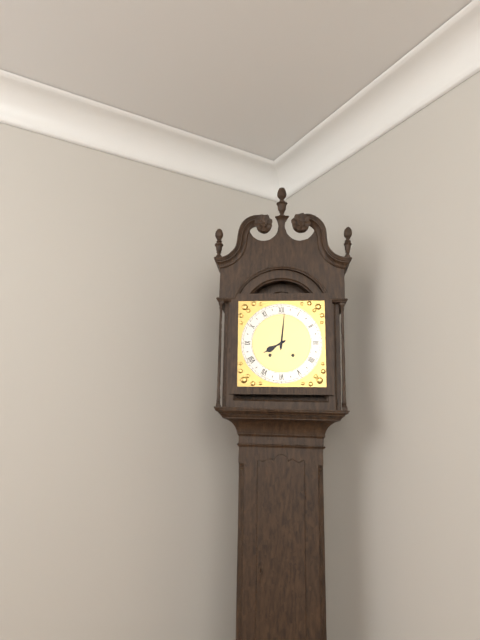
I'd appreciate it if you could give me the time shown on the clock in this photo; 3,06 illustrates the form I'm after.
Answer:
8,01
